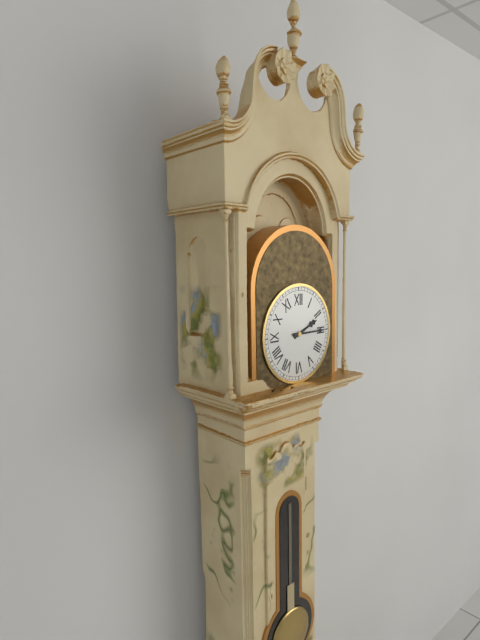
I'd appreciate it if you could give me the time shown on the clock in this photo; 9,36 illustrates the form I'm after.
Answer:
2,15
